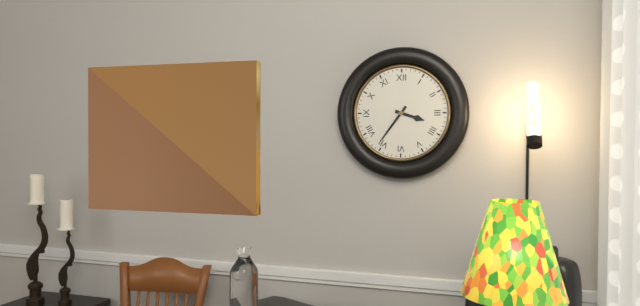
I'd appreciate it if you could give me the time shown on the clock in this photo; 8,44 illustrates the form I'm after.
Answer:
3,36
